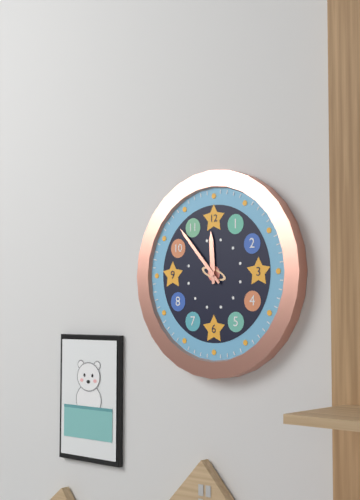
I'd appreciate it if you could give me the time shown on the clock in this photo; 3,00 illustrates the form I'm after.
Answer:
11,53
